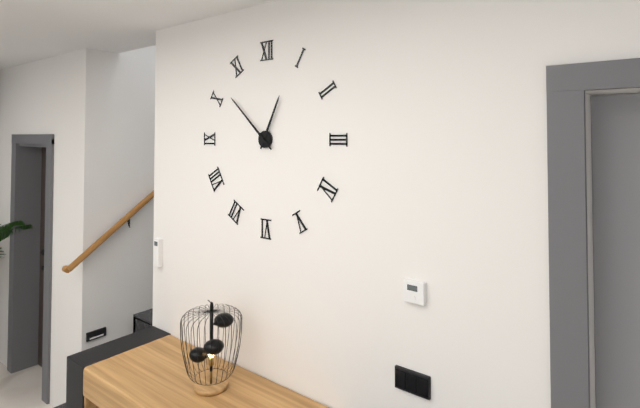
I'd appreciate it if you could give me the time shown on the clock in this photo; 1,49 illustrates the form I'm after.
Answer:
12,52
